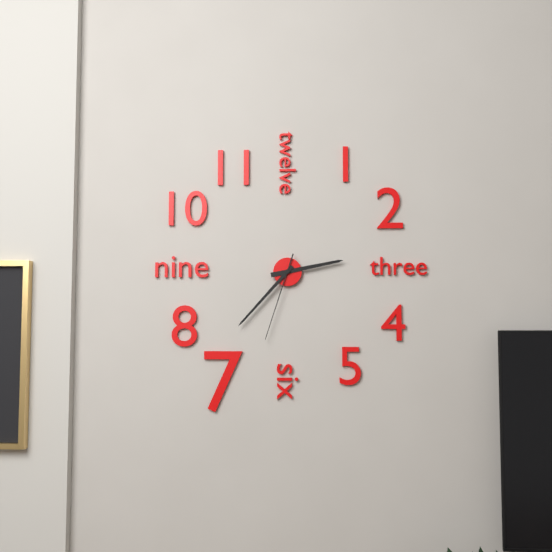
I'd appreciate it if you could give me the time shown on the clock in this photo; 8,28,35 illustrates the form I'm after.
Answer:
2,37,33
